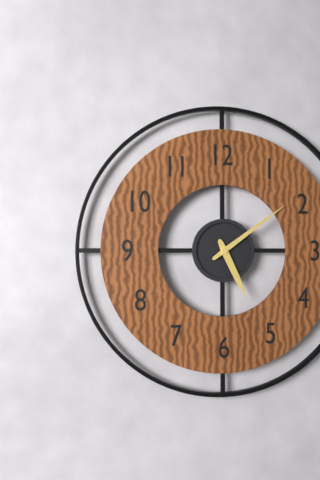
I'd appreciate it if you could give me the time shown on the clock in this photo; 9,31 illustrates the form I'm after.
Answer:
5,09
